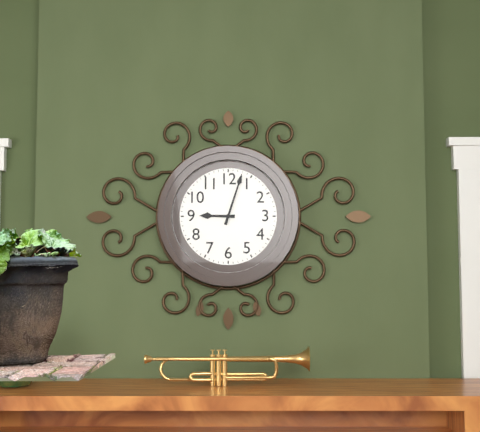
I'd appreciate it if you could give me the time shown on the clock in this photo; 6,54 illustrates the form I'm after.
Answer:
9,03
